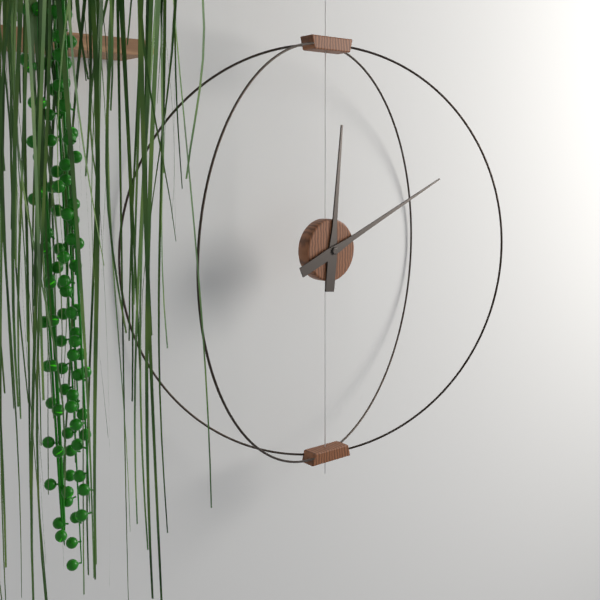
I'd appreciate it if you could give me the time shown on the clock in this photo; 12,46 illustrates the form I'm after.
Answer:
12,11
